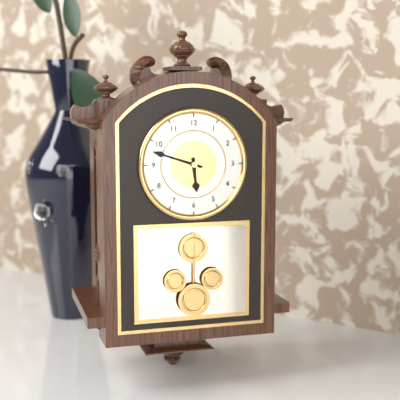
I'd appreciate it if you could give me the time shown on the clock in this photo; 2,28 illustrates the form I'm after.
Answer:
5,48
